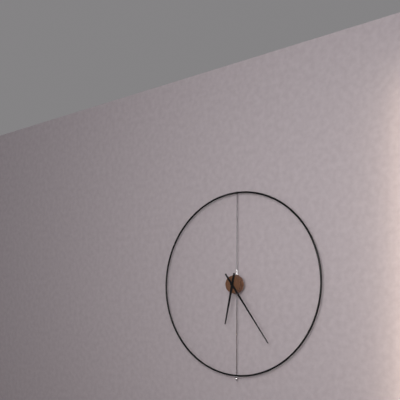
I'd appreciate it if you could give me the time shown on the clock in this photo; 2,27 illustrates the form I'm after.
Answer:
6,24
